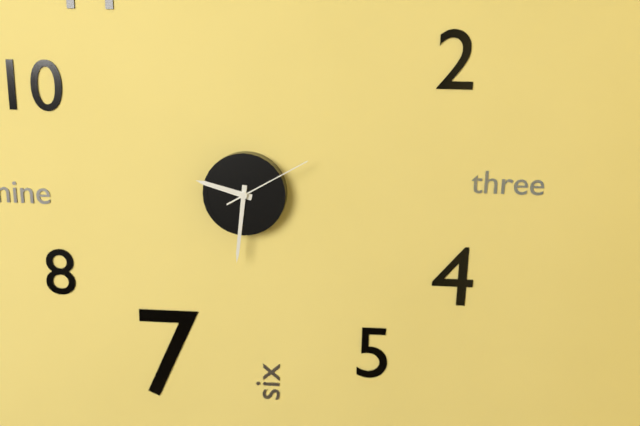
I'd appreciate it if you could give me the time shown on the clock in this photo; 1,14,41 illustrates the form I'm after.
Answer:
9,31,10
